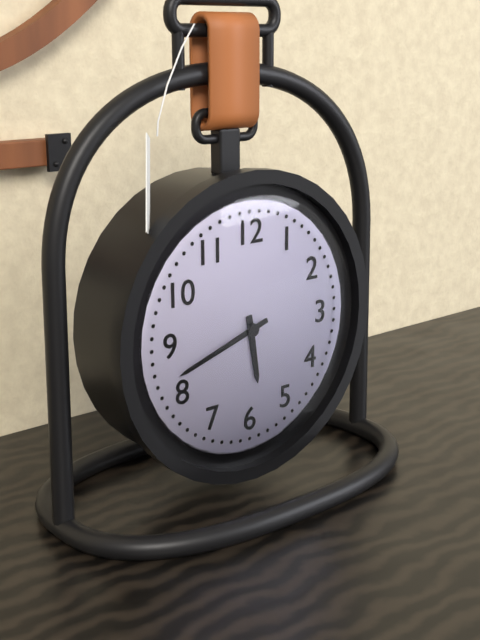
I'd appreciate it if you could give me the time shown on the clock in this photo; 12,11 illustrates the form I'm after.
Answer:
5,42
